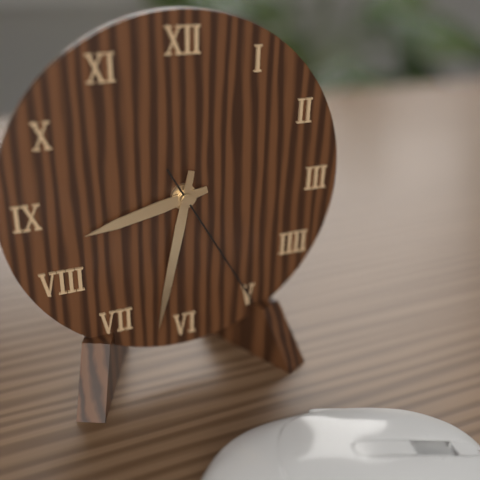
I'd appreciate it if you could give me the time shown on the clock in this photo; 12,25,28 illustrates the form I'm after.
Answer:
8,32,25
